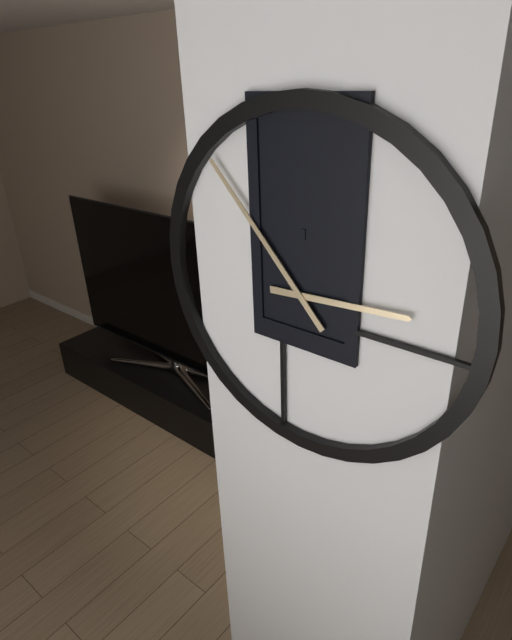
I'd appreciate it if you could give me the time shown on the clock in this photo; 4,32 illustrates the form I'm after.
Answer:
2,53
